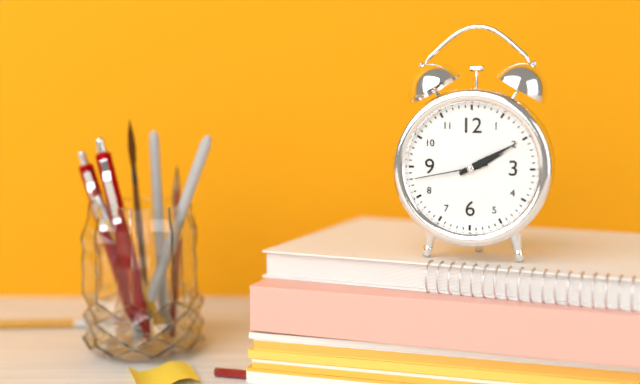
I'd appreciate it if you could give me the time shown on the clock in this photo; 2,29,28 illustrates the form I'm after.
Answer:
2,10,43
